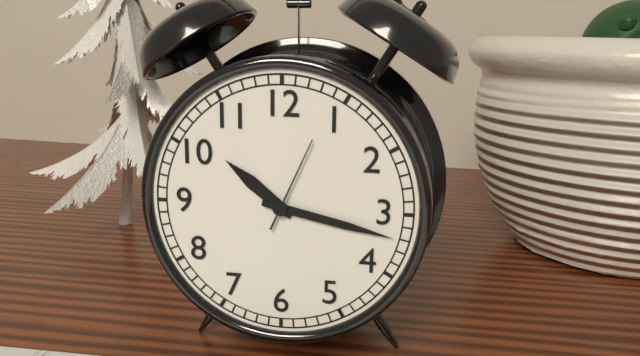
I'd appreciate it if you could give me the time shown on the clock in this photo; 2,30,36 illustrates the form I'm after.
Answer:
10,17,04
